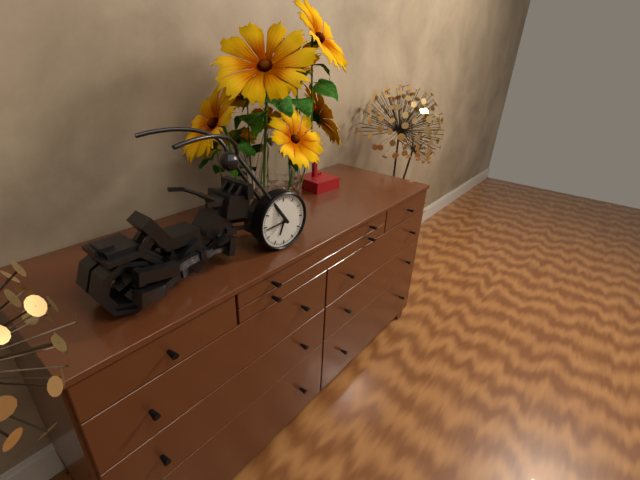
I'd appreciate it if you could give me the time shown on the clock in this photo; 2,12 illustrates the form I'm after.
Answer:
6,44
